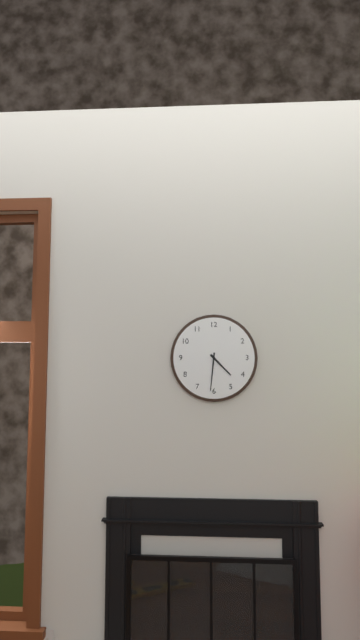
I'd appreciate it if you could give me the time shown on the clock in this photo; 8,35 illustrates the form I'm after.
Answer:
4,31
